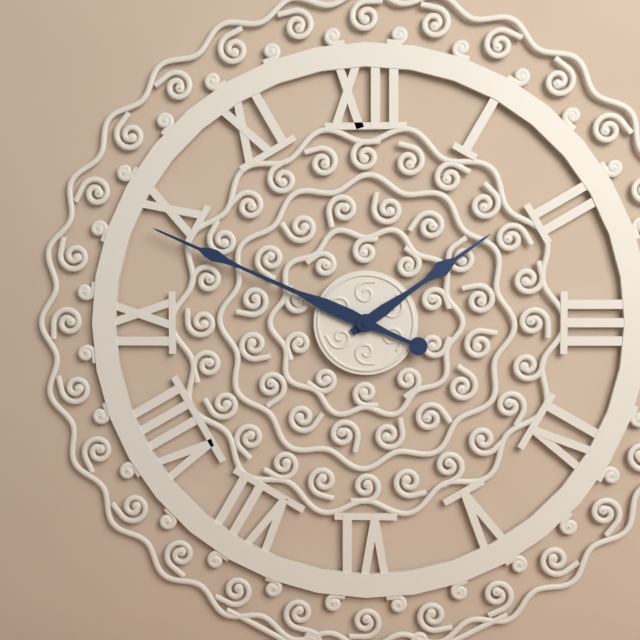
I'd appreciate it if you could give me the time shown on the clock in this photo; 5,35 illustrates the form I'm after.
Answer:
1,49
